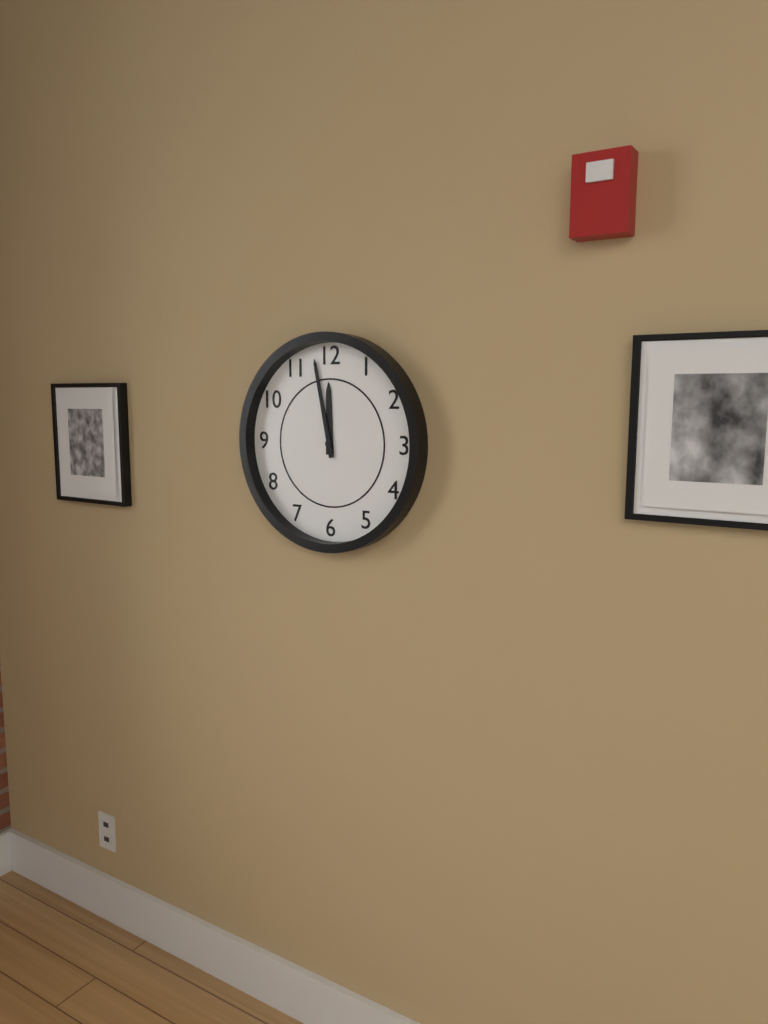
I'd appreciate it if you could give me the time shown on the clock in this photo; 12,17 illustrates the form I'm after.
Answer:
11,58
